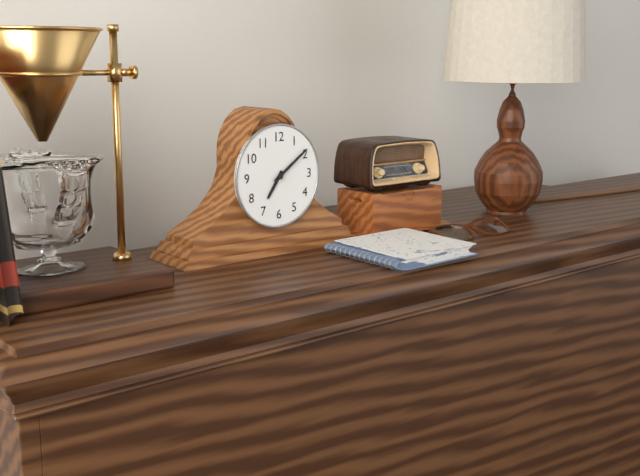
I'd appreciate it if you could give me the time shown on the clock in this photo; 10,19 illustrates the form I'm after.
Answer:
7,09
